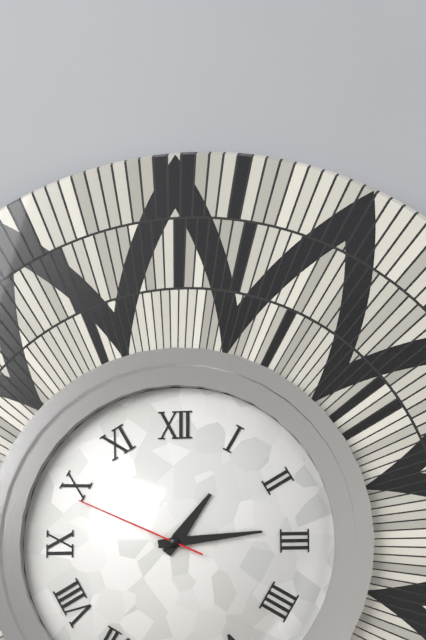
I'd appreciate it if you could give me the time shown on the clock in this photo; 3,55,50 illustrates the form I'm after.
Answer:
1,14,49
